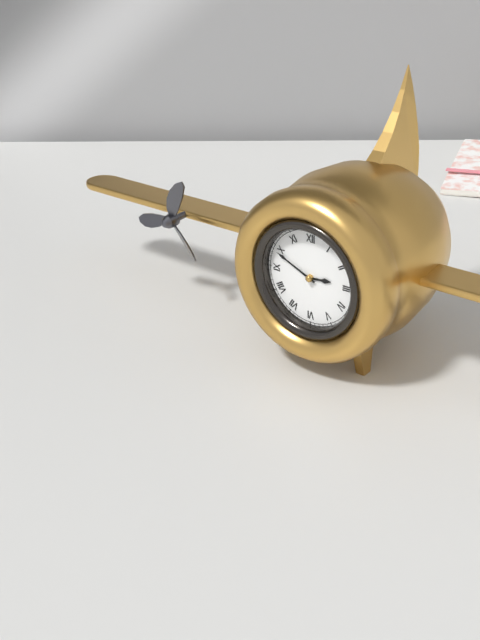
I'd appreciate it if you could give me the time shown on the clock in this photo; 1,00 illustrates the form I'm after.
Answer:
2,49
